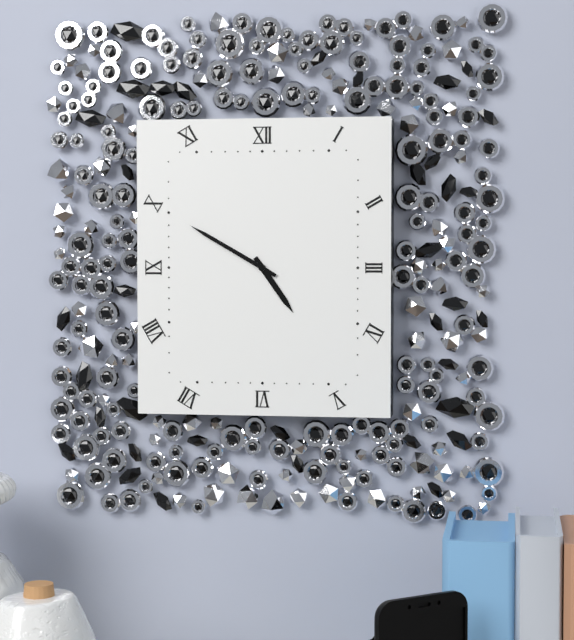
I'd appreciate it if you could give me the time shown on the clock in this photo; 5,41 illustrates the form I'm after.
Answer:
4,50
